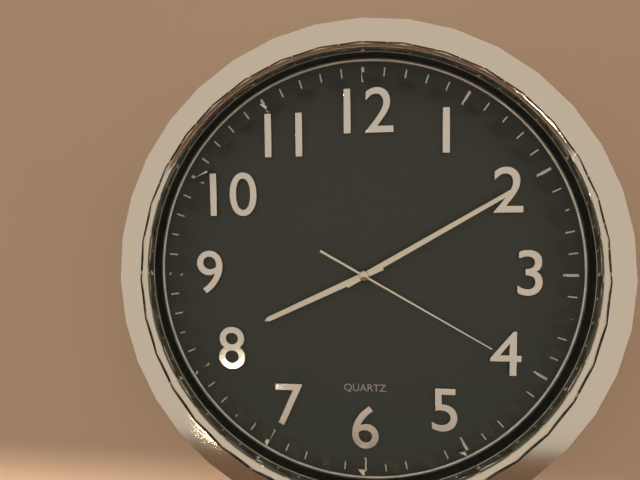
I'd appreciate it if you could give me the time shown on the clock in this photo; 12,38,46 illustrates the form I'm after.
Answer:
8,10,20
